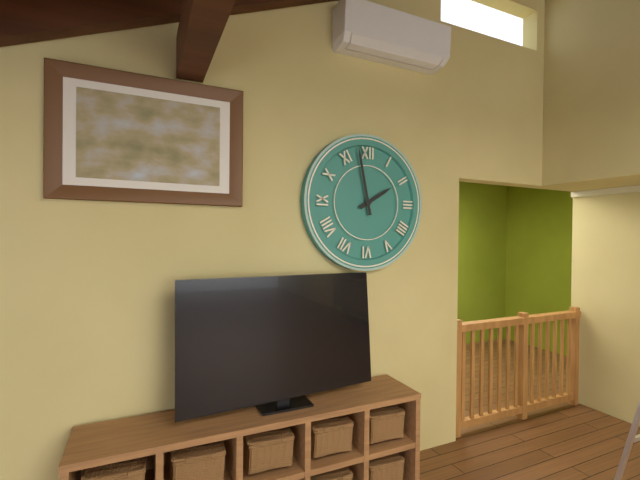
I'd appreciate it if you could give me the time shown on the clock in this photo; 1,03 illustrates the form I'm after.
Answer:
1,58
